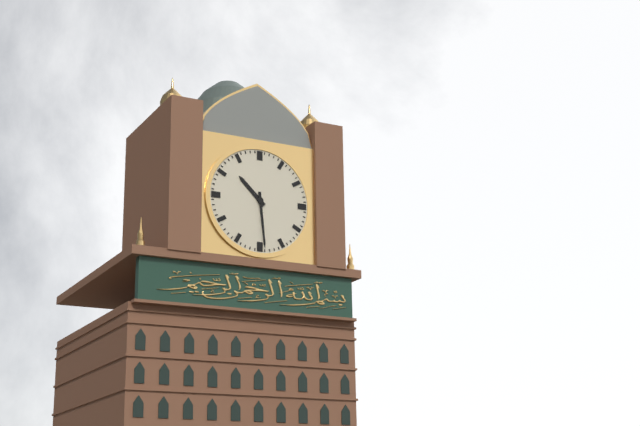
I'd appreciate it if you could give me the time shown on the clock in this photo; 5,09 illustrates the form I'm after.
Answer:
10,29
